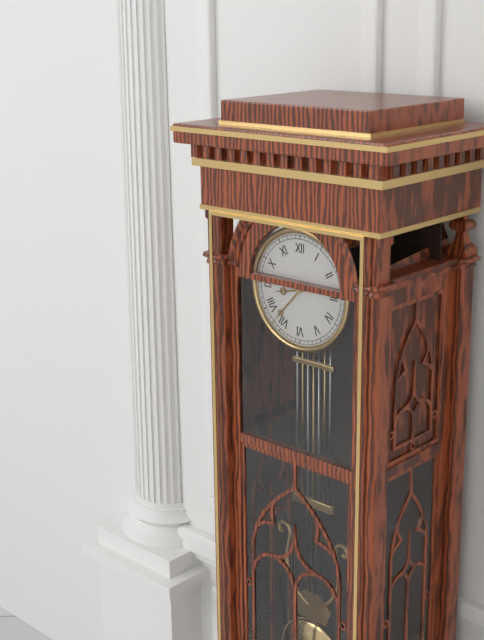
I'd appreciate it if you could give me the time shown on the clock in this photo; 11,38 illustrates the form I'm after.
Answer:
8,37
